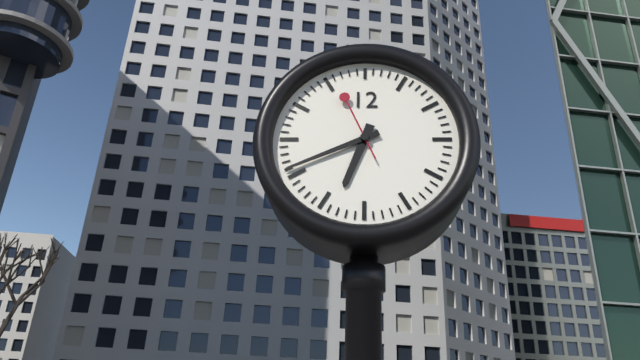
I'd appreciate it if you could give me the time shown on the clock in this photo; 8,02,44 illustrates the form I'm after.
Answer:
6,41,56
